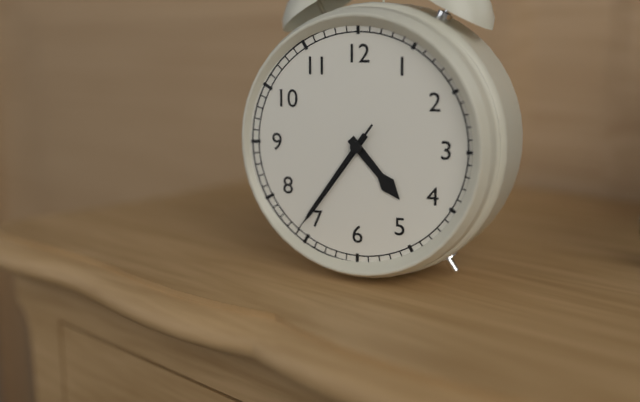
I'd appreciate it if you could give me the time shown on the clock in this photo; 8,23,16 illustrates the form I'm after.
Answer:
4,36,36
